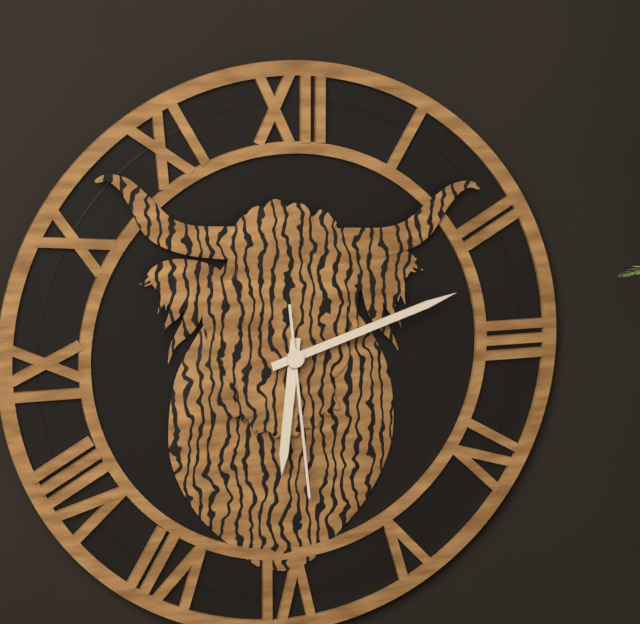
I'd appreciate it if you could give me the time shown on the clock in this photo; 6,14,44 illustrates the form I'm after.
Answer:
6,12,29
